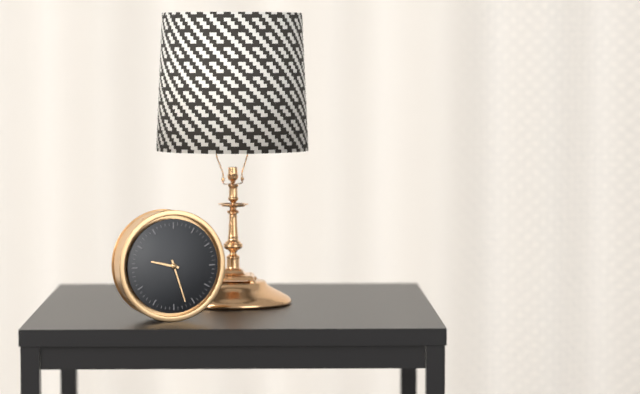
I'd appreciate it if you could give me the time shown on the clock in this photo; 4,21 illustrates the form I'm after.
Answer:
9,27
